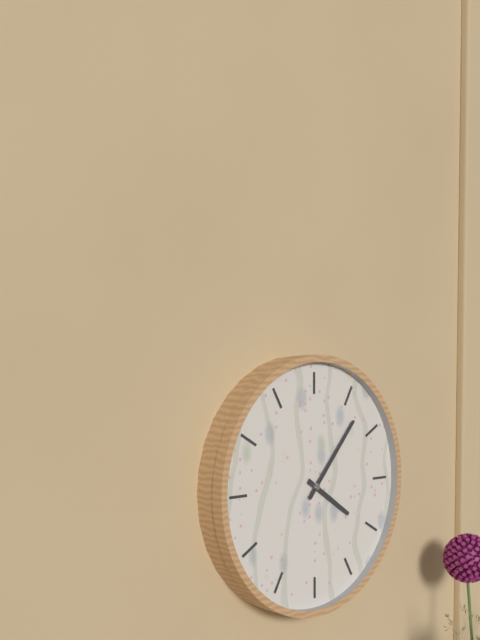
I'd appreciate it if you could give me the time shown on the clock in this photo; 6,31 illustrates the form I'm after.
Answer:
4,07
